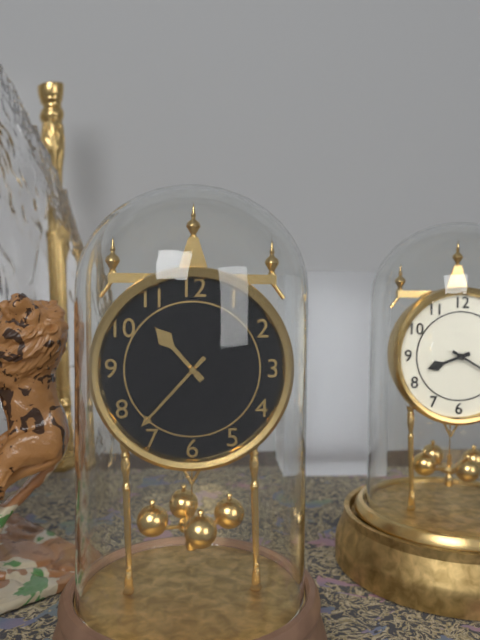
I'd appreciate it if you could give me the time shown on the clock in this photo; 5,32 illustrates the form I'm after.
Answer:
10,37
